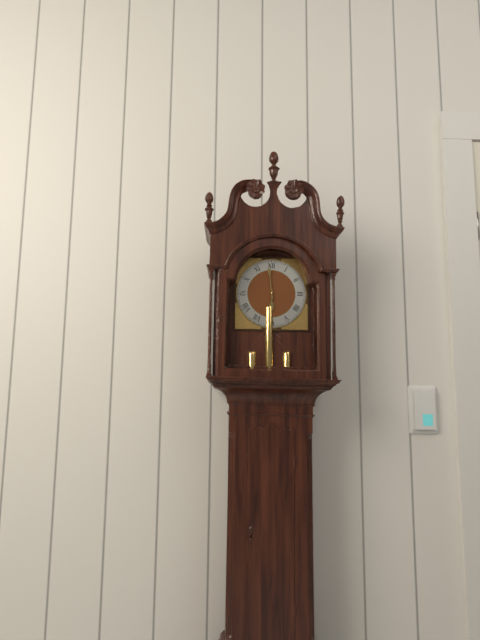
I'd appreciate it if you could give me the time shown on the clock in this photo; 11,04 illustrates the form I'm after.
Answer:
5,59
